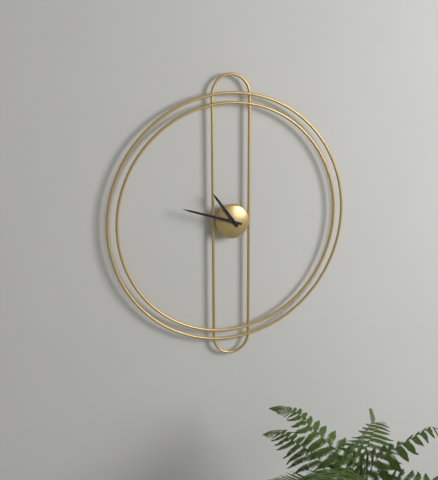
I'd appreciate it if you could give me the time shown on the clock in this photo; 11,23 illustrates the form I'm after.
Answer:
10,48
